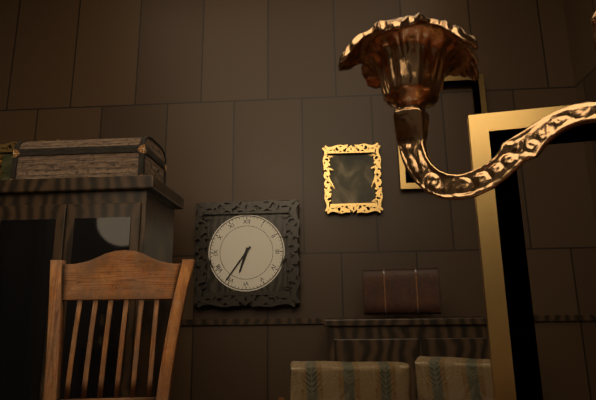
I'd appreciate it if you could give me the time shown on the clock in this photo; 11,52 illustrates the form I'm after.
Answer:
6,36
